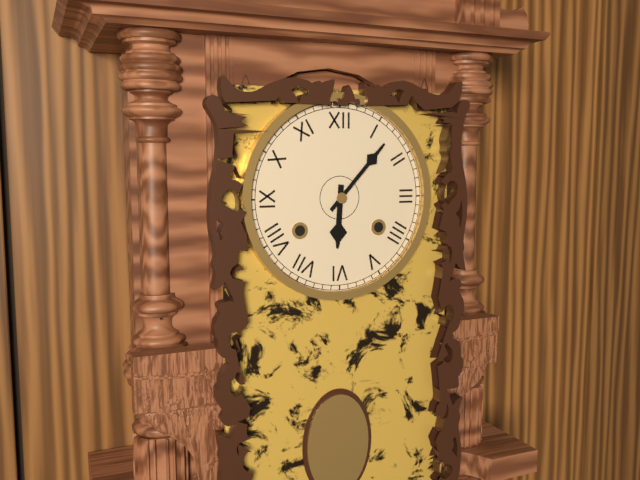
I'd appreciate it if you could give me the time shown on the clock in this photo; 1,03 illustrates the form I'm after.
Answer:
6,07
